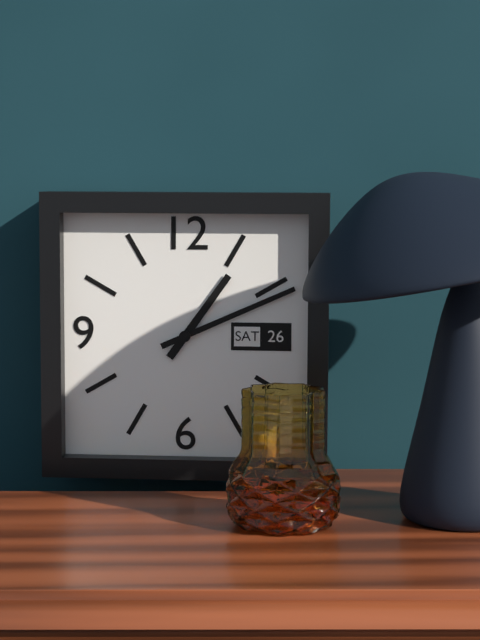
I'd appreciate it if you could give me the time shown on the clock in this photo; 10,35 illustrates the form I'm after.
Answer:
1,11
